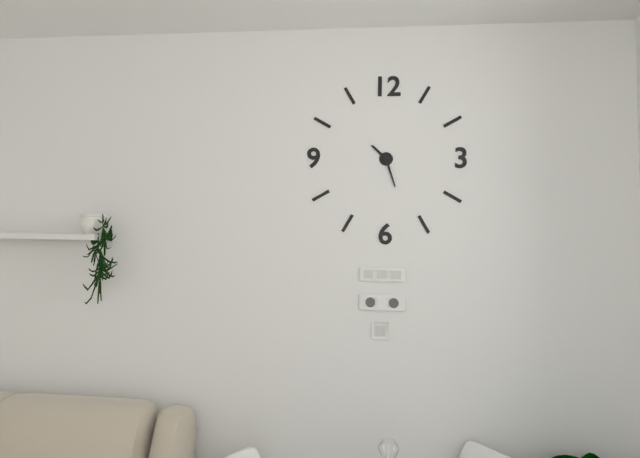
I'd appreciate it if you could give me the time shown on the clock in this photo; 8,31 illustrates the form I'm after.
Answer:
10,27
